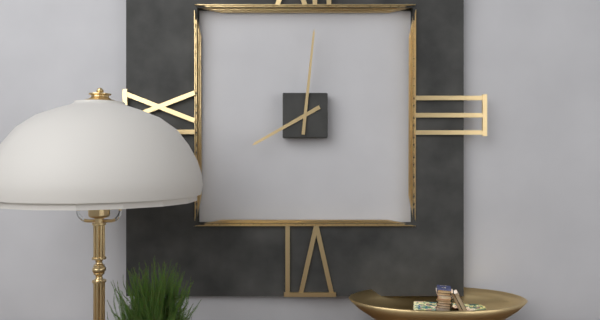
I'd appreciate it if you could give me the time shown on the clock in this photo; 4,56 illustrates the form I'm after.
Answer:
8,01
